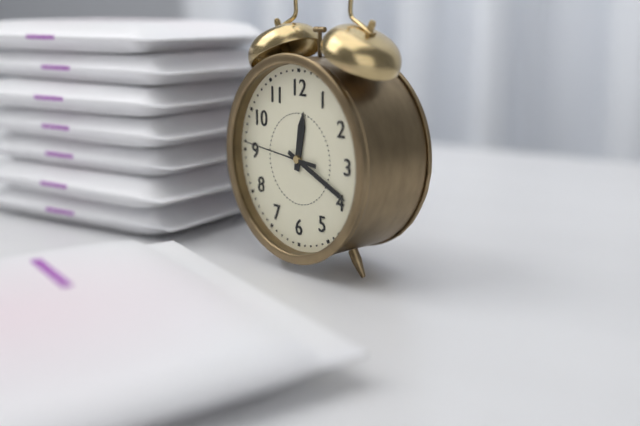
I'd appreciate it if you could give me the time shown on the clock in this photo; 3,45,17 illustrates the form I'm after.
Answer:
12,19,46
